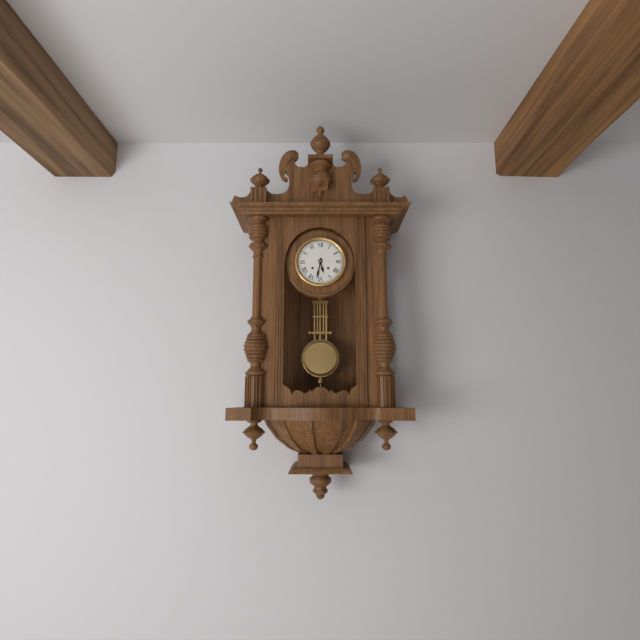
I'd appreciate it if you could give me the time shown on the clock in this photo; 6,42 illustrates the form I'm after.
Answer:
5,32
